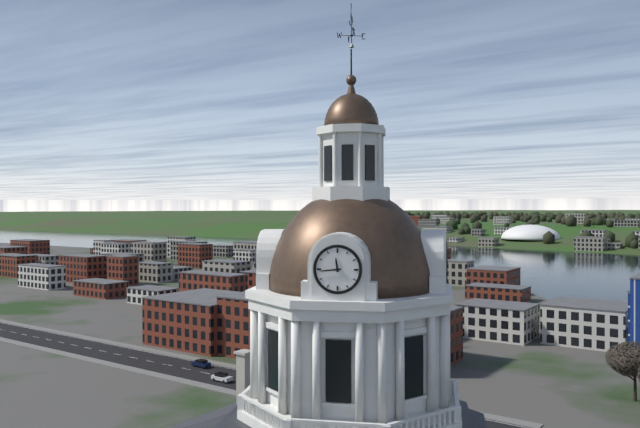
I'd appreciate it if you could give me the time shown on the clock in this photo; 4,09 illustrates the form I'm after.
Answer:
11,44
